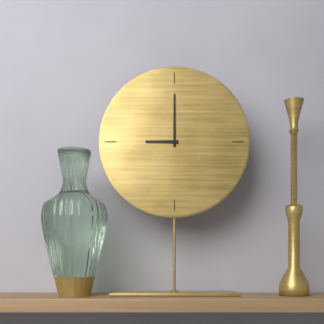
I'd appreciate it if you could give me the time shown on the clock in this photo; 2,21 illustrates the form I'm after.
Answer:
9,00
